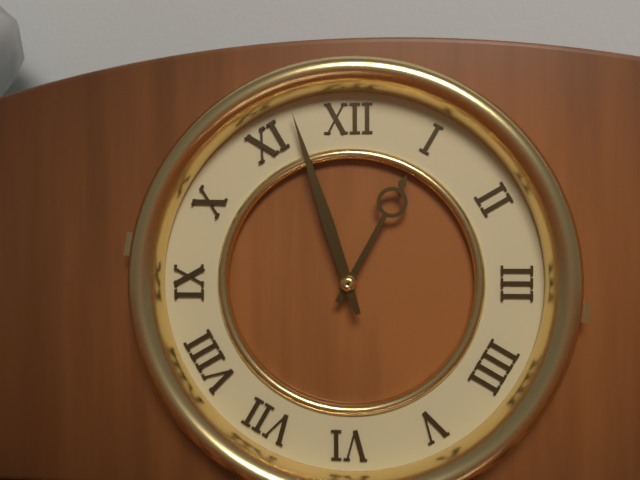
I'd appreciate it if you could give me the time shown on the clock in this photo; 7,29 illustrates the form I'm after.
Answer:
12,57
